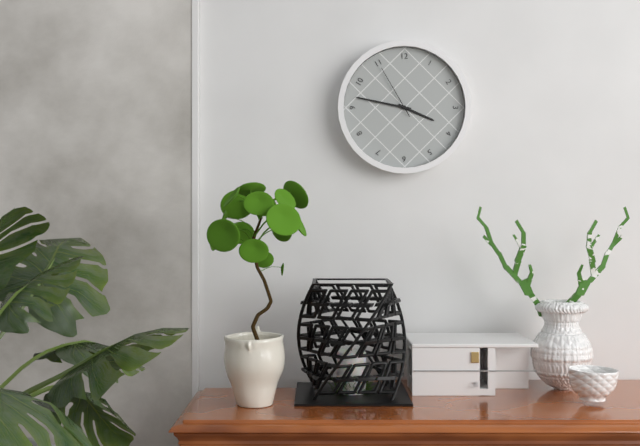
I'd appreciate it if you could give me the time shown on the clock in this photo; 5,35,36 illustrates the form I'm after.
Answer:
3,47,55
